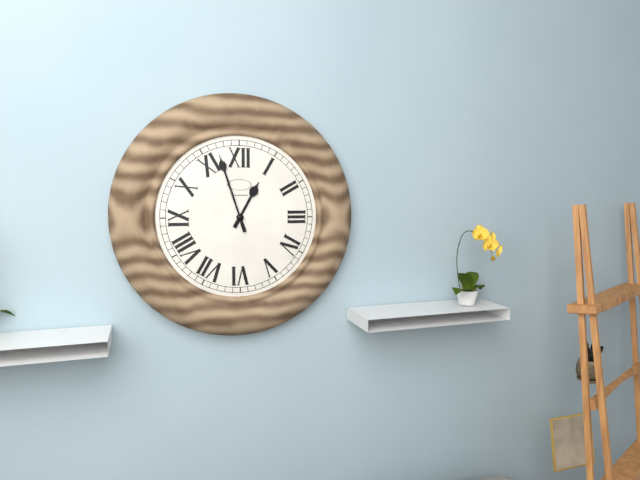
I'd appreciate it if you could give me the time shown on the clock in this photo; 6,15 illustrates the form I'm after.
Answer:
12,57
